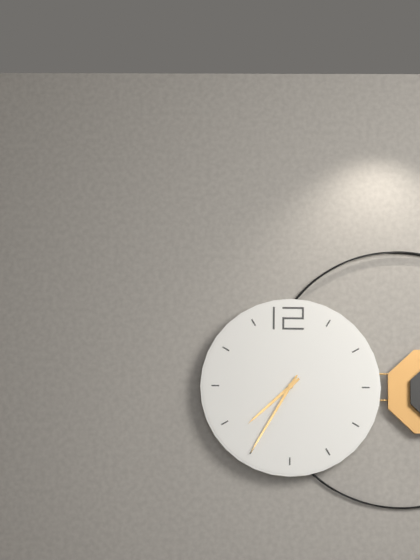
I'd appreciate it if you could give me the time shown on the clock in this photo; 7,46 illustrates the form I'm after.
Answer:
7,35
